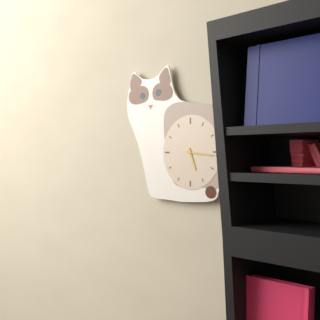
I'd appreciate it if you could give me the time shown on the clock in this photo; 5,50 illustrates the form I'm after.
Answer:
5,16
